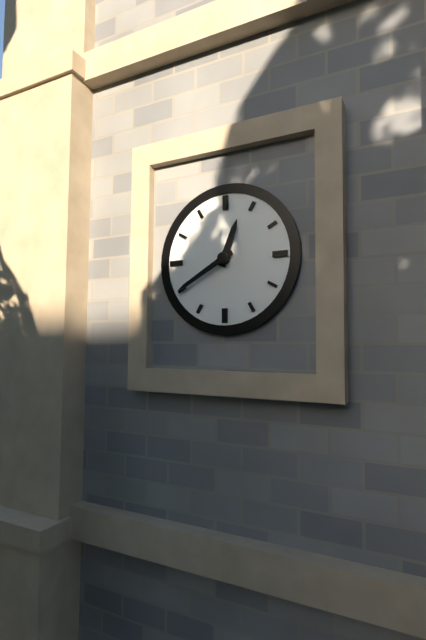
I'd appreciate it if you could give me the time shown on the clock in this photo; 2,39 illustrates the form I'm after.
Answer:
12,40
